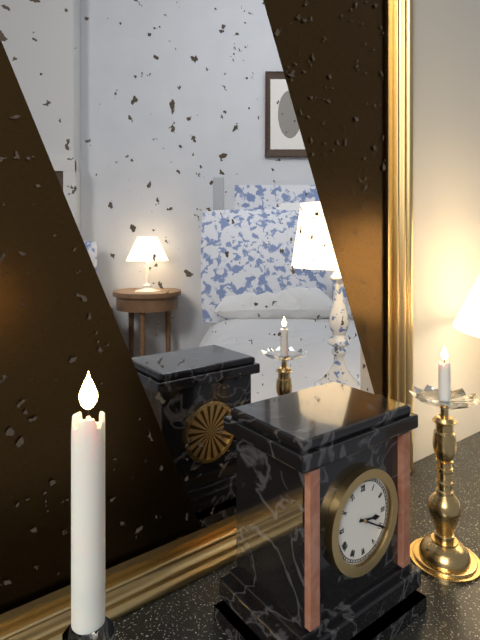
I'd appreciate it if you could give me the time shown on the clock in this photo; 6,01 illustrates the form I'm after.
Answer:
3,20
